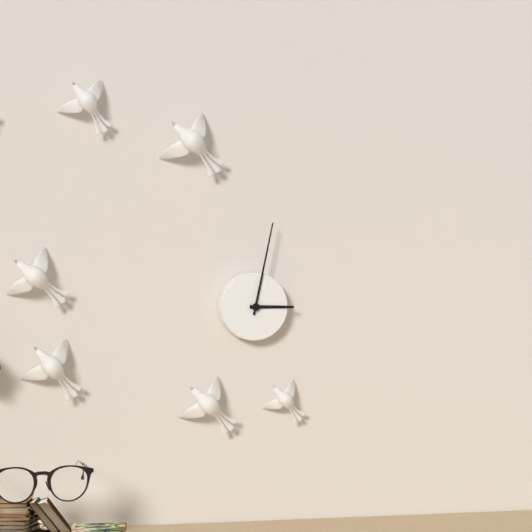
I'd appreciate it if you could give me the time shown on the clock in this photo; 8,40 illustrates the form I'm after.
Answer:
3,02
